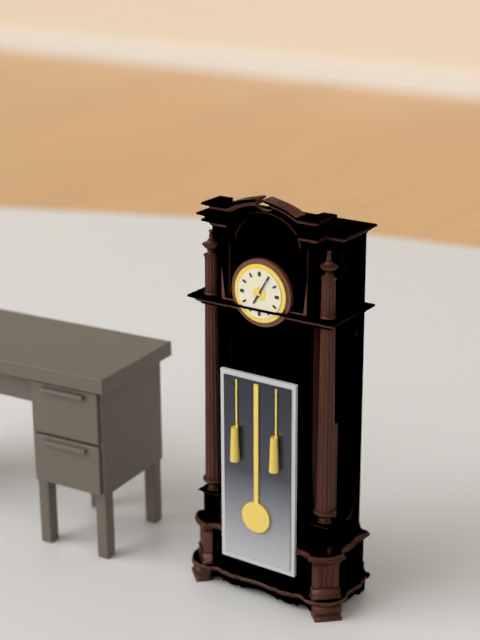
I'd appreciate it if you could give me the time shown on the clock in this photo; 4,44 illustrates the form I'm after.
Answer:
7,05
